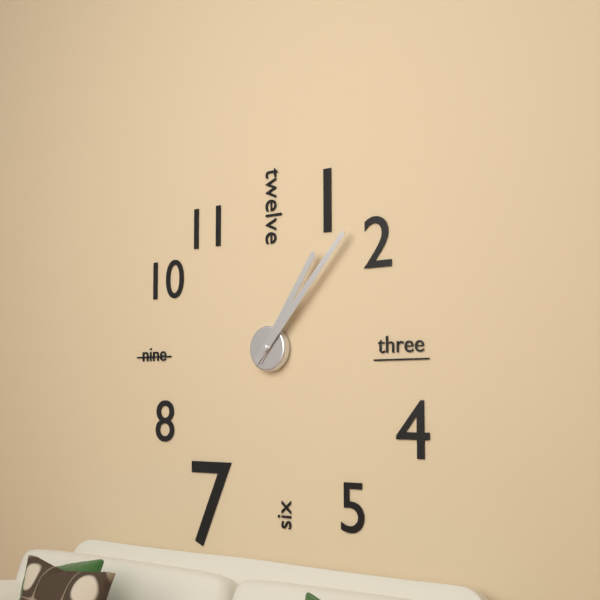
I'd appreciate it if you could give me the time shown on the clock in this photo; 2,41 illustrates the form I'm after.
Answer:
1,07
